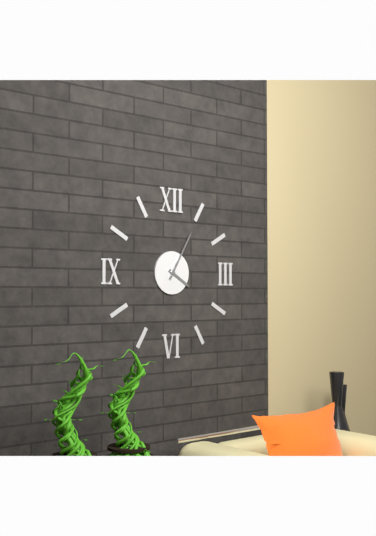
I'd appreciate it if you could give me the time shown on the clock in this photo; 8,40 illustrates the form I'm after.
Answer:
4,05
